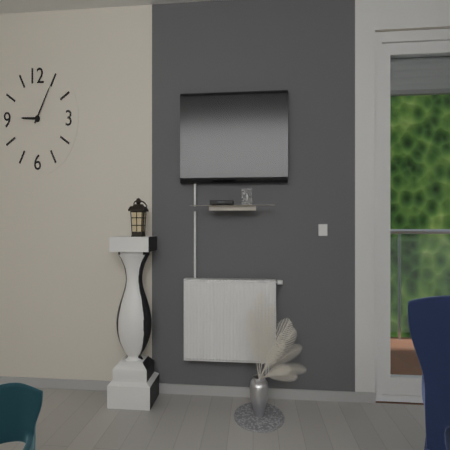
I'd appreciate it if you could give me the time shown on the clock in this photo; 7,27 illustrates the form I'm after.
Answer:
9,05
